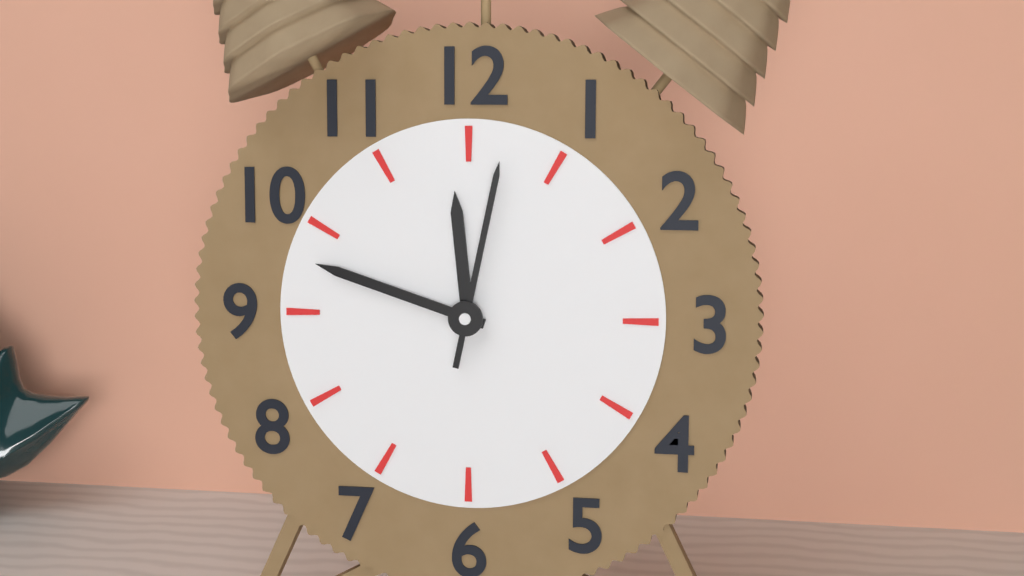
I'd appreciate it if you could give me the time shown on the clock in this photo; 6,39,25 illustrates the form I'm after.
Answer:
11,48,02
